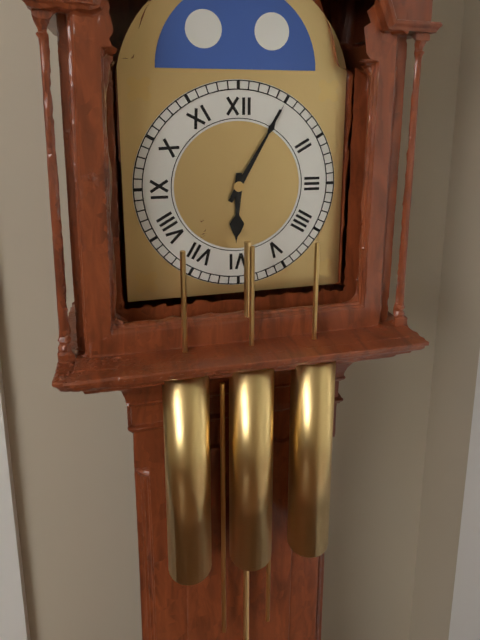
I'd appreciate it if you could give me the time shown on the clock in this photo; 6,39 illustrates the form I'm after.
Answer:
6,05
